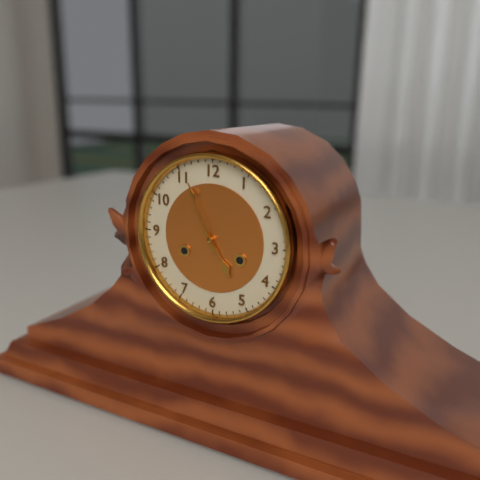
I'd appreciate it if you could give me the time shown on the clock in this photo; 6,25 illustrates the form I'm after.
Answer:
4,56
